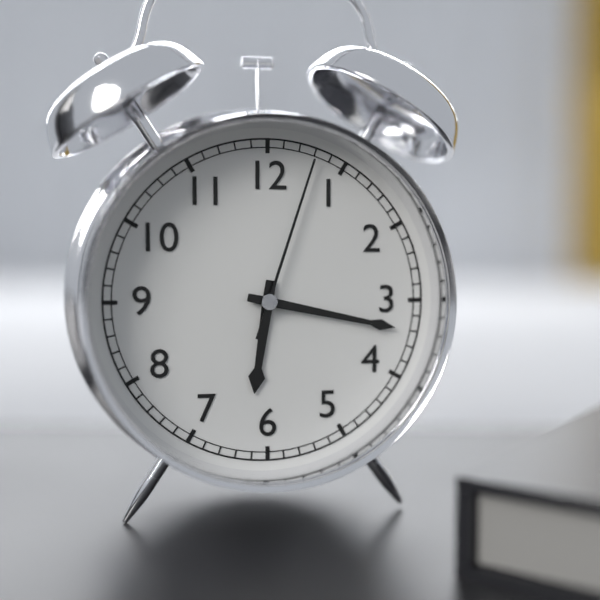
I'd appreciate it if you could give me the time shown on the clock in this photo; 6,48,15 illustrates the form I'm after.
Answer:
6,17,03
